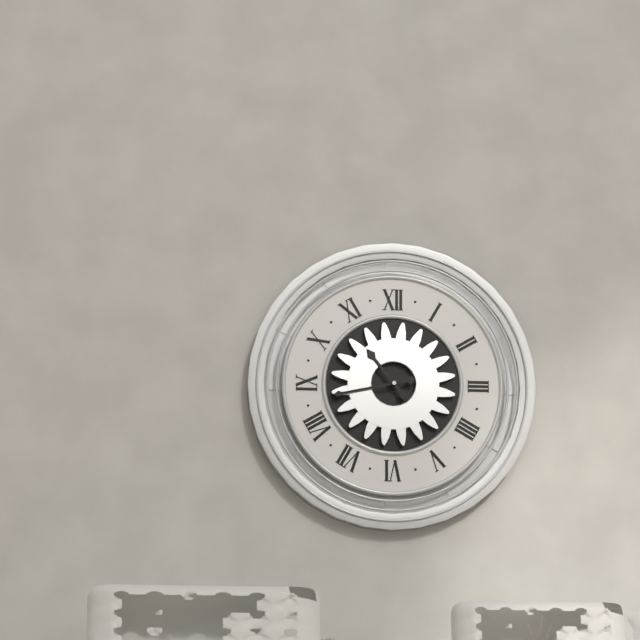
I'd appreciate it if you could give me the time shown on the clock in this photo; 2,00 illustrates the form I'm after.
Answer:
10,43
